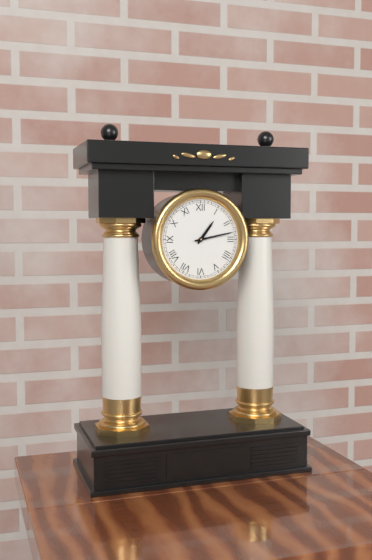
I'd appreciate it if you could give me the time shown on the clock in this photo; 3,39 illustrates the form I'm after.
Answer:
1,13
